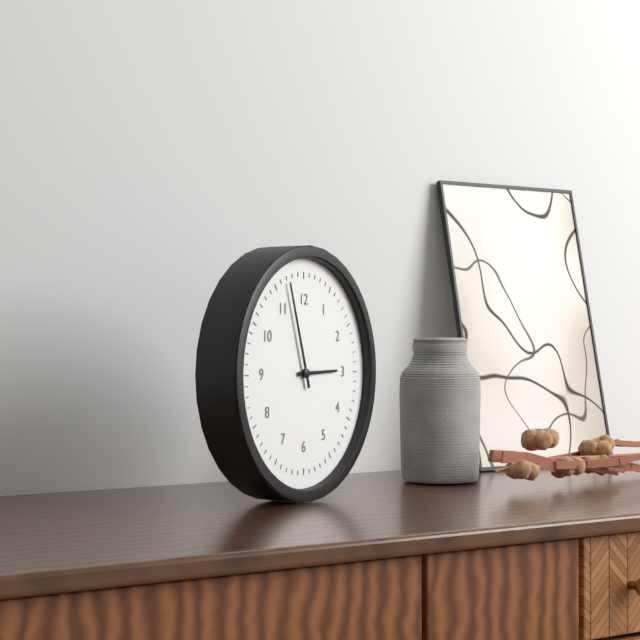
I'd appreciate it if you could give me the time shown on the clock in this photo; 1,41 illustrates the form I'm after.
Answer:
2,57
